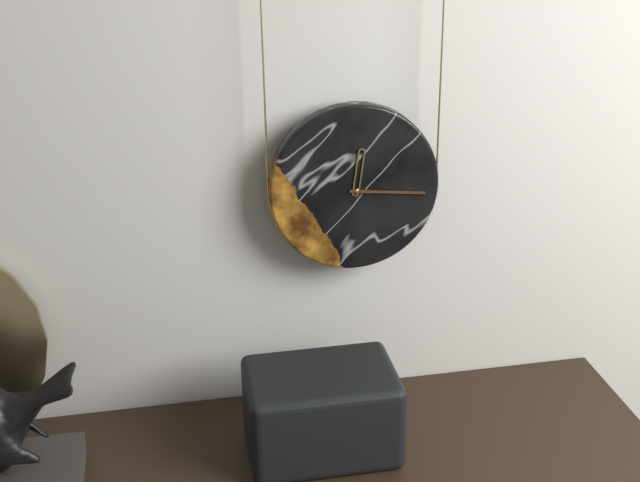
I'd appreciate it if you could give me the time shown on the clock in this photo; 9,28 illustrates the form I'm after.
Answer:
12,16
